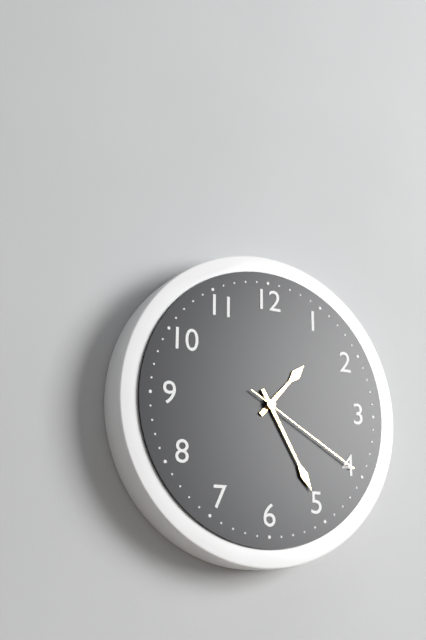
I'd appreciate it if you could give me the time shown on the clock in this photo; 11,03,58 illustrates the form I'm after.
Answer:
1,25,20
